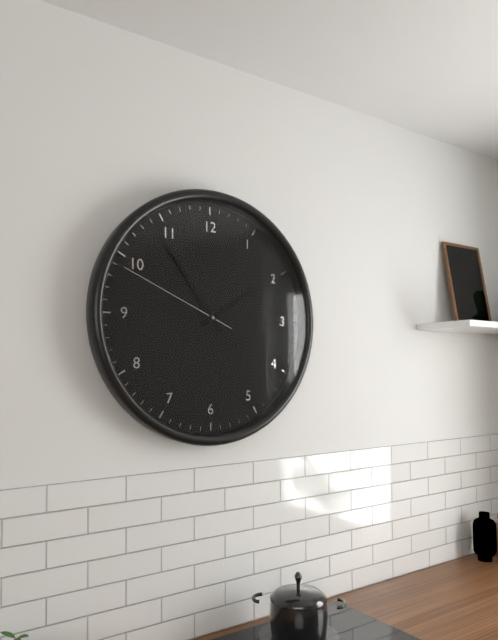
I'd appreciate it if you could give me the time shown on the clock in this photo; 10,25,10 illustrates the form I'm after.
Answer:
1,54,49
